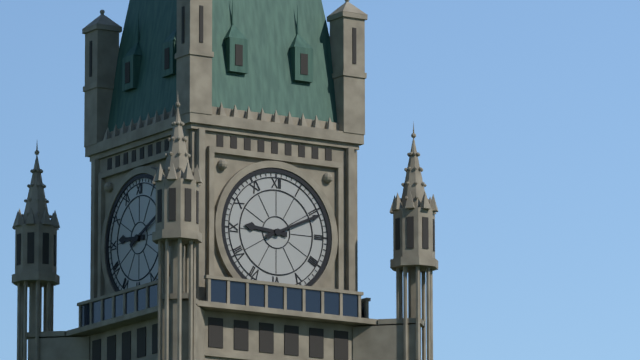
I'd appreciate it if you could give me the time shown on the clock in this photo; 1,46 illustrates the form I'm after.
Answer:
9,11
